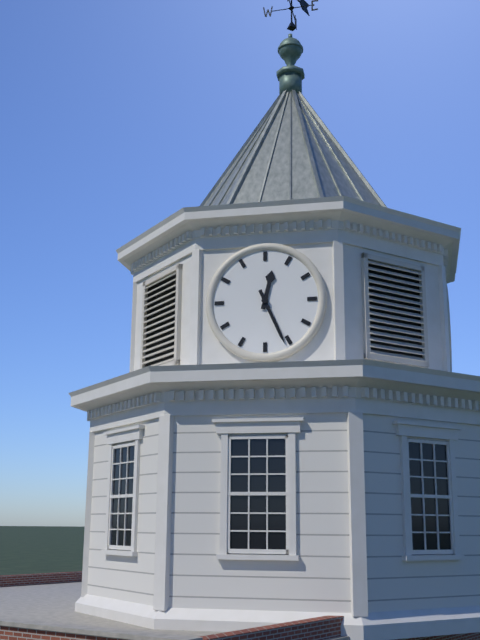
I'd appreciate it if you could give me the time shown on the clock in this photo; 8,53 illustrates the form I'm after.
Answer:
12,26
